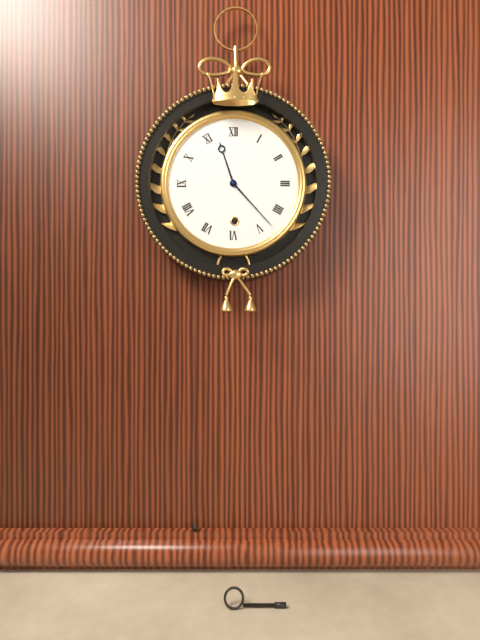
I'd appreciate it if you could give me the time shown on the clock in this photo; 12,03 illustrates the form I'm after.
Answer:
11,23
